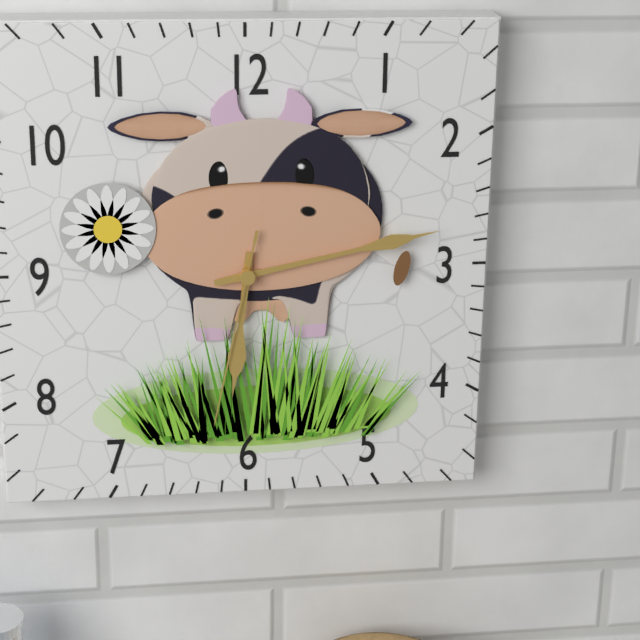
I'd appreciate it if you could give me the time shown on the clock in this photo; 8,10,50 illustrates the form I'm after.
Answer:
6,13,32
